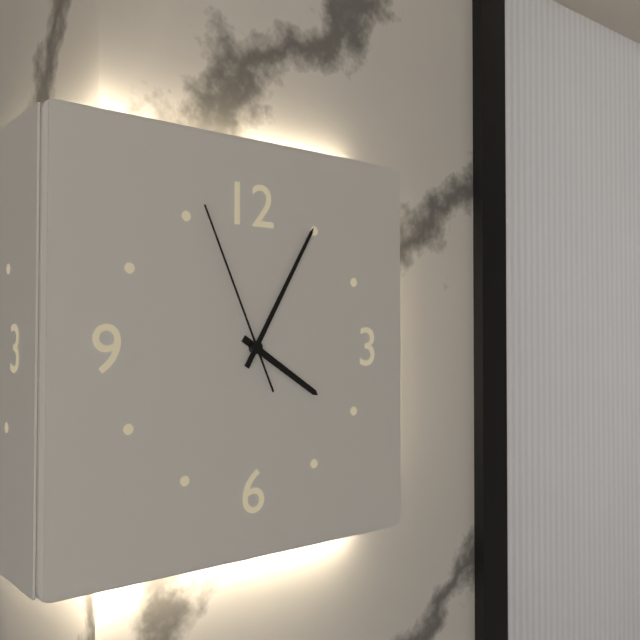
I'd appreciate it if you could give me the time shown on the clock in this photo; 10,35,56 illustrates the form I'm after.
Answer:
4,05,56
